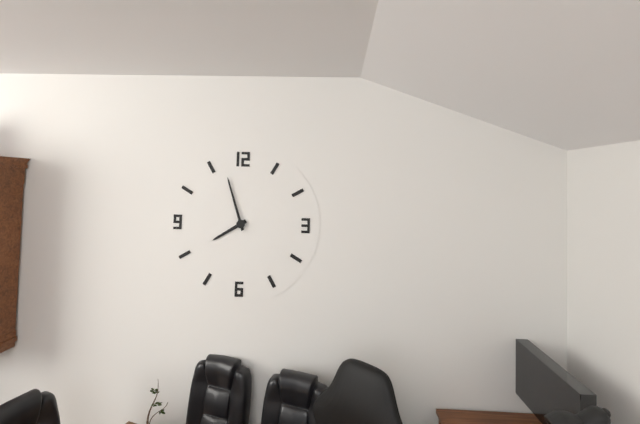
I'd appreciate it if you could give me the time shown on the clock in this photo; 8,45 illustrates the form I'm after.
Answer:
7,57
